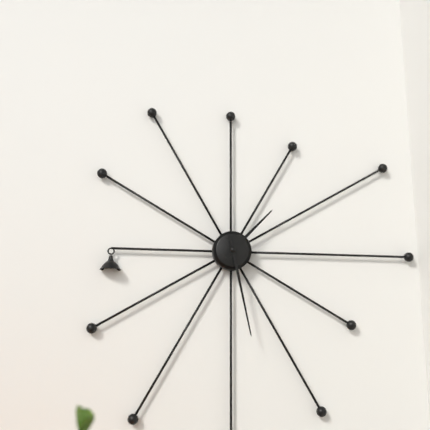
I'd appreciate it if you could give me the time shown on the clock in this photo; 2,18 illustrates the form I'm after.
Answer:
1,28
